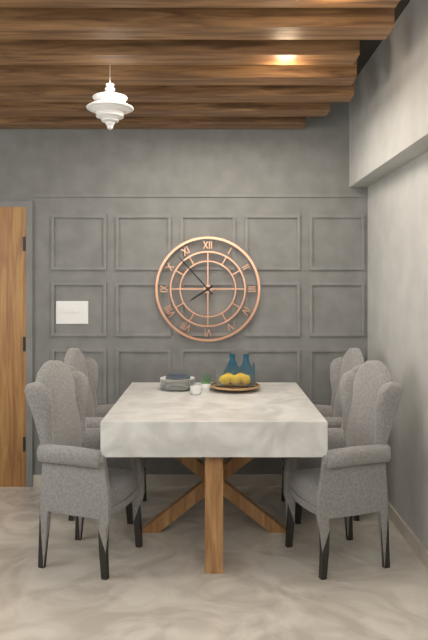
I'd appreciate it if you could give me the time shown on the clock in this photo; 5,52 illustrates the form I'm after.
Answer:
7,53
